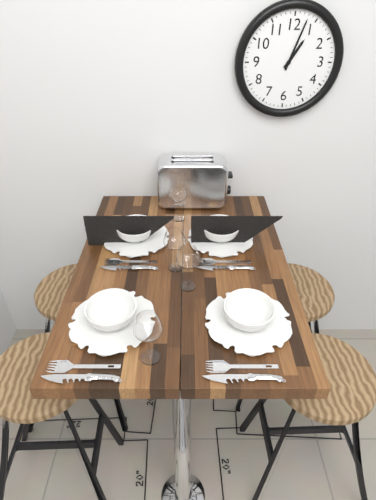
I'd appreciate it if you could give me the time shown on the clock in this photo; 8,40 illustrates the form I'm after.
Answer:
1,03
